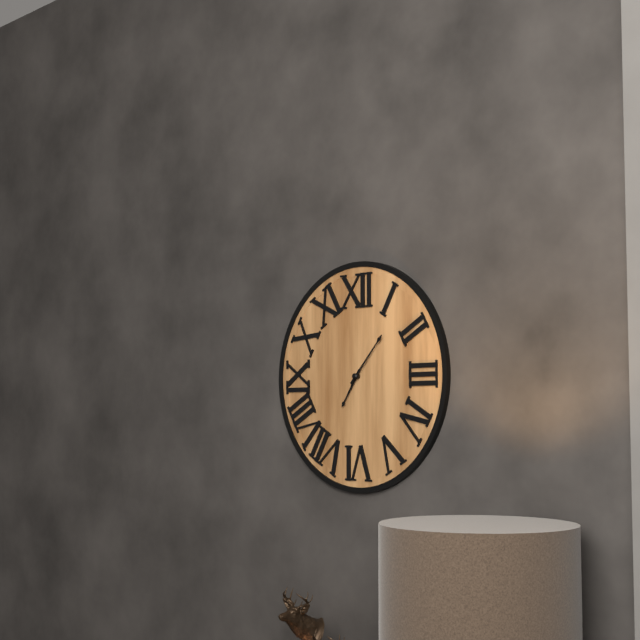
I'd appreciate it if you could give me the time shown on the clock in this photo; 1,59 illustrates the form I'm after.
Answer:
7,07
